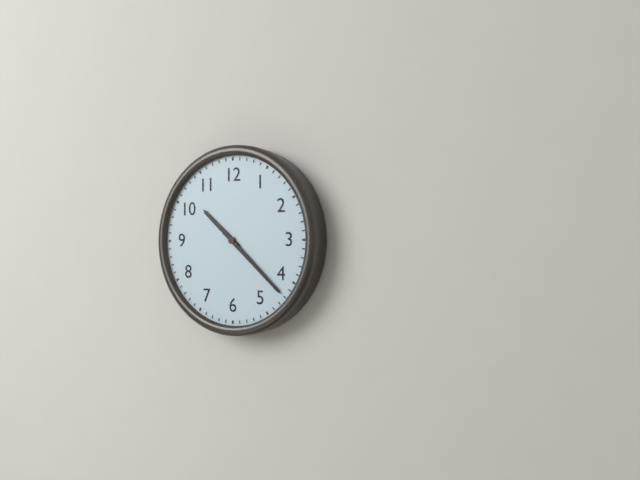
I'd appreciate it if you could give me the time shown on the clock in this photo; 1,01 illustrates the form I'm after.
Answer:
10,22
